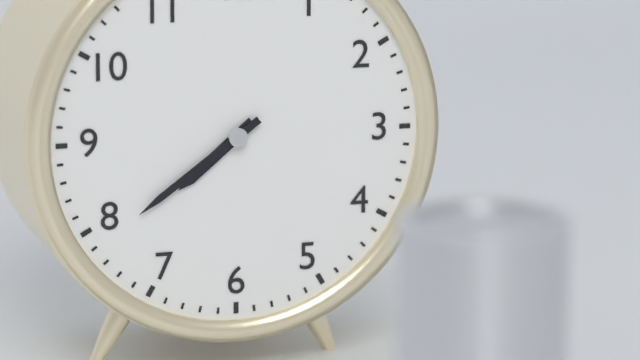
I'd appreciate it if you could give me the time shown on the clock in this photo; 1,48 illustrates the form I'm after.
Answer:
7,39
